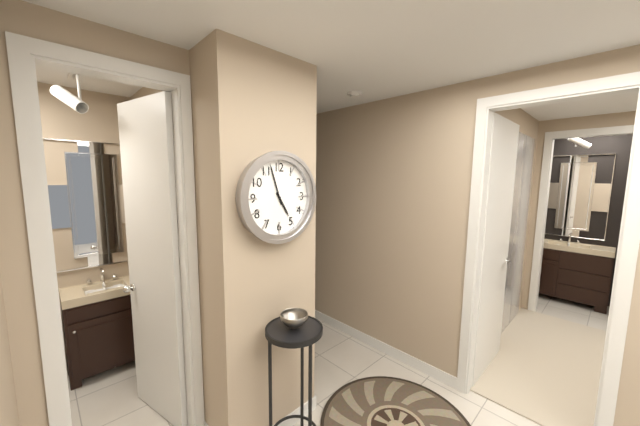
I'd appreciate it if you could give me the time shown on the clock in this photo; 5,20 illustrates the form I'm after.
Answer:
4,57
